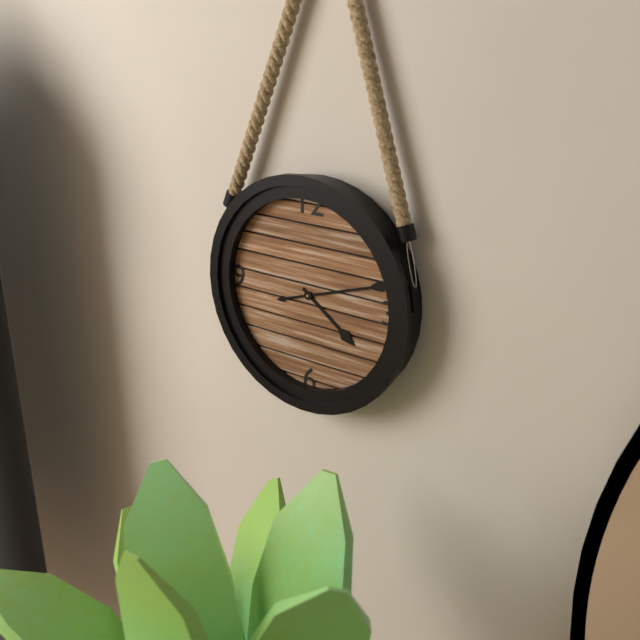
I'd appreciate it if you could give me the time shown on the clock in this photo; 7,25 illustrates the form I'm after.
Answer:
4,12
